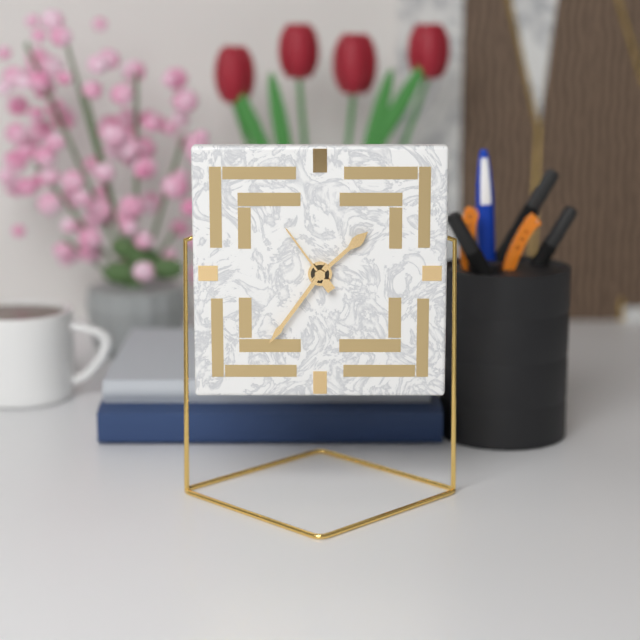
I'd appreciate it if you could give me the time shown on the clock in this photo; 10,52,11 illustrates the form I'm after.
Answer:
1,36,54
